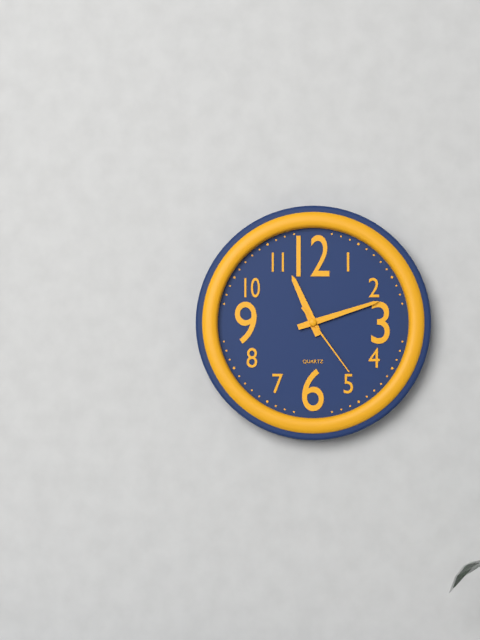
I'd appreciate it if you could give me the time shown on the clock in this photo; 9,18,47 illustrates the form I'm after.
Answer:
11,12,24
